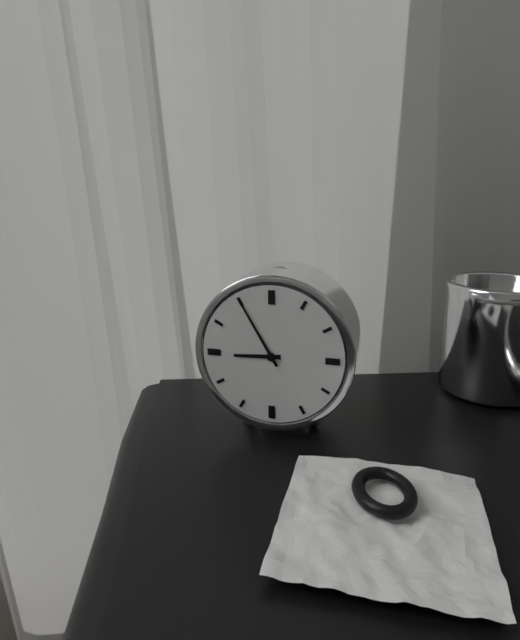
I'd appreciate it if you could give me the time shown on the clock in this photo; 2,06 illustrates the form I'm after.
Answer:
8,55
